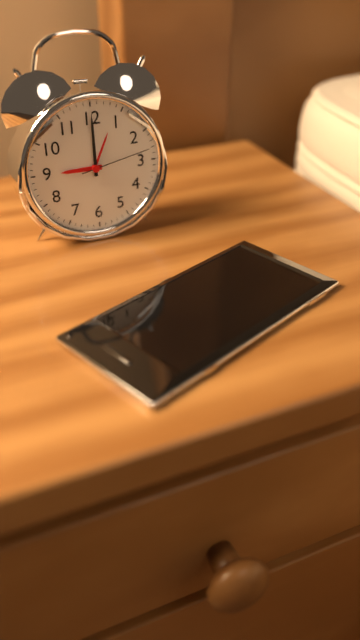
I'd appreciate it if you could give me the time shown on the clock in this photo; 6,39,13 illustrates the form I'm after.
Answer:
9,00,13
